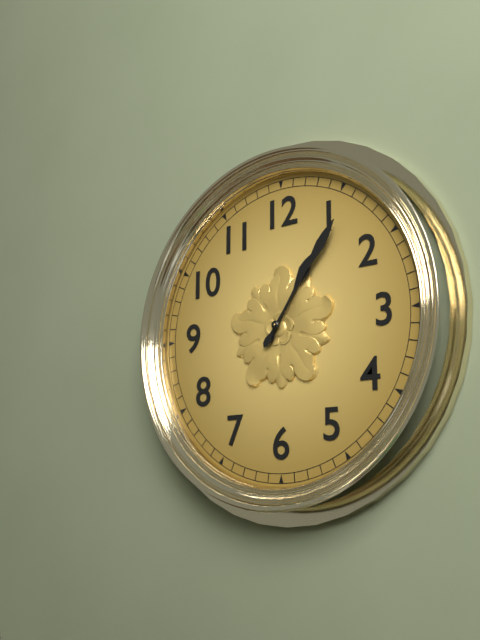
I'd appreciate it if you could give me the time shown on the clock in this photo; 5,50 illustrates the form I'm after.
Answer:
1,06
